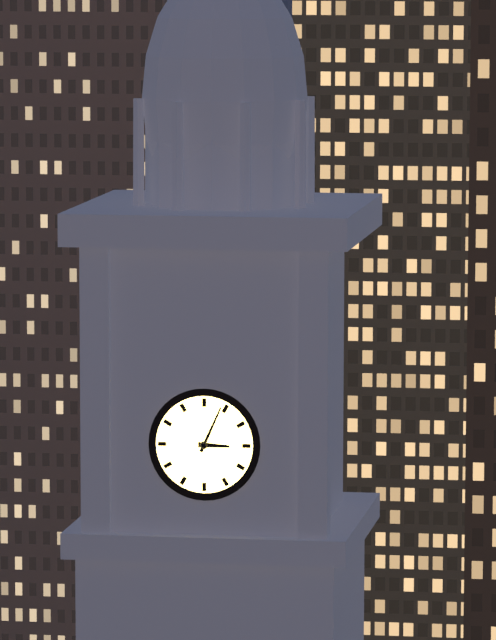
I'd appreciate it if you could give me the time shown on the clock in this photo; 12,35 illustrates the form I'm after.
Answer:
3,04
